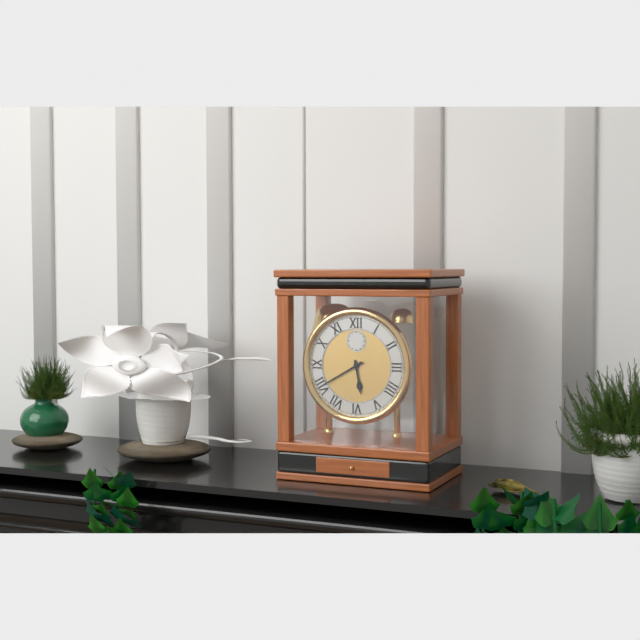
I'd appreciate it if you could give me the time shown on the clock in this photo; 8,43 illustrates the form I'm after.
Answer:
5,40
